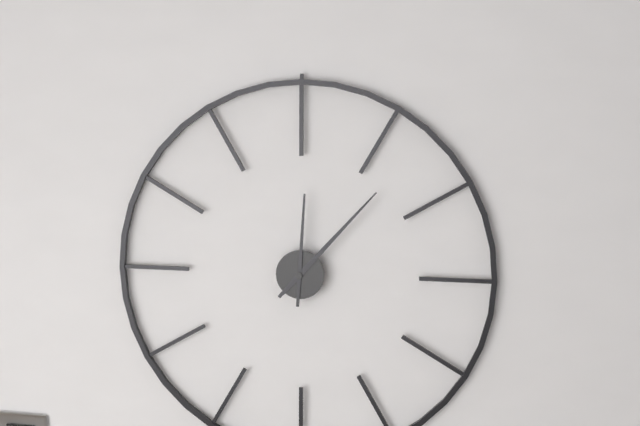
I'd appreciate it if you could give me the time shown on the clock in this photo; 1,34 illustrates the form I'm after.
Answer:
12,07
